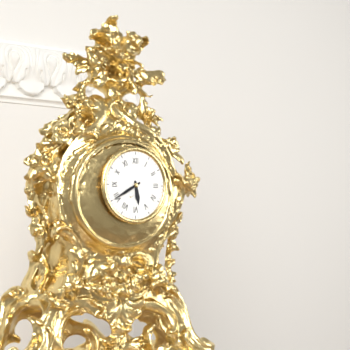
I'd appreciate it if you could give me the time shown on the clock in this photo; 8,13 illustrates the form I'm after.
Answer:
5,40
